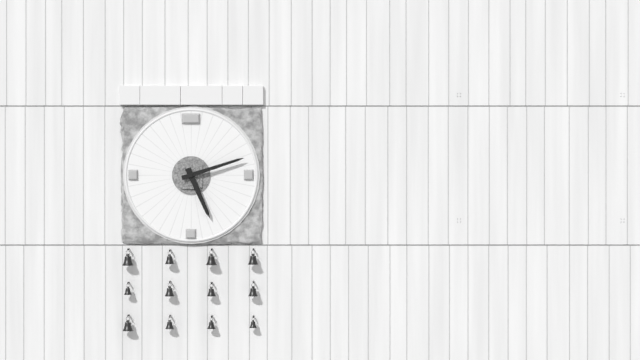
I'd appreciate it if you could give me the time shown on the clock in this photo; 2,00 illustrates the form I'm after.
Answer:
5,12
